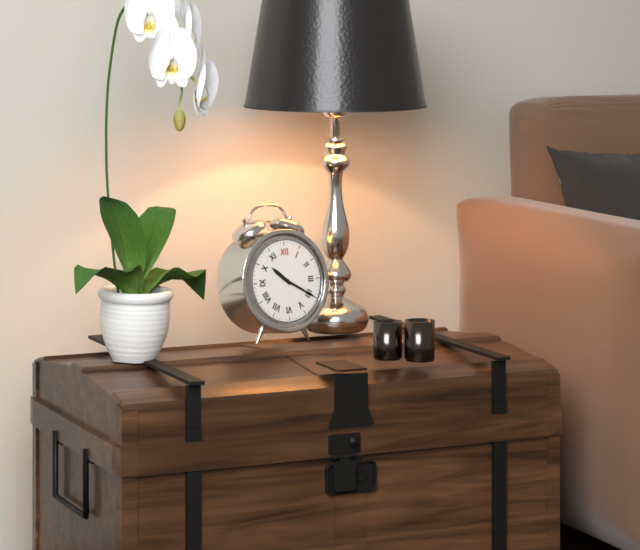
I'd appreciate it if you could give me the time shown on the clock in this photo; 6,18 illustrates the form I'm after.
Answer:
10,20
